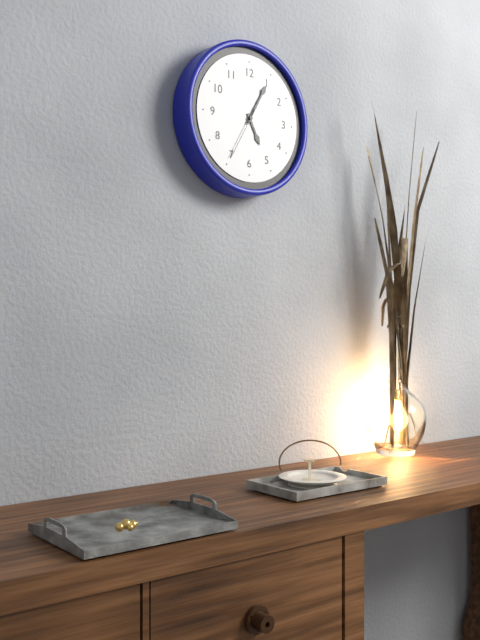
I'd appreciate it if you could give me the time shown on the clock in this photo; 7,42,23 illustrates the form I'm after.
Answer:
5,05,35
